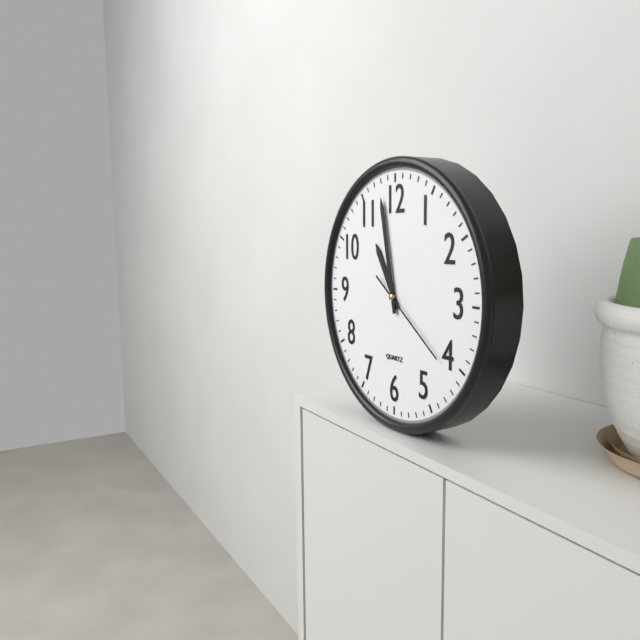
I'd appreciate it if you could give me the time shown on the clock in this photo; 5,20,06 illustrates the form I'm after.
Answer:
10,58,21
